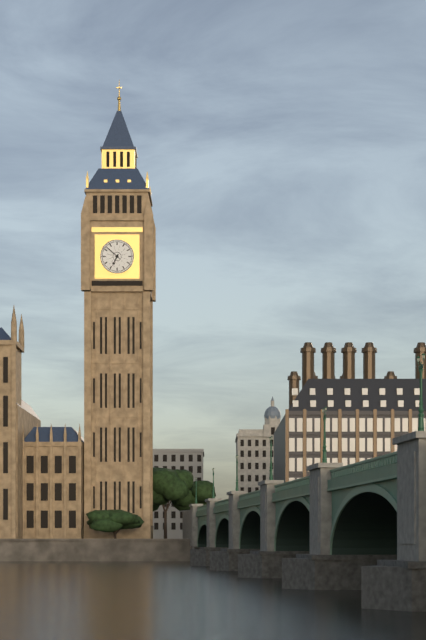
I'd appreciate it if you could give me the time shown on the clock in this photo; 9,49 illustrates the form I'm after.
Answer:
6,52
